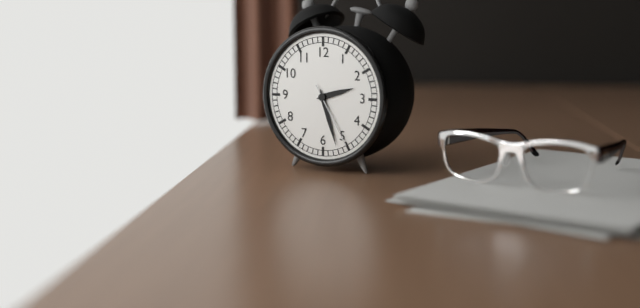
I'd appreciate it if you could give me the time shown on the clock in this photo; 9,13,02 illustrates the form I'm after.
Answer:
2,27,25
